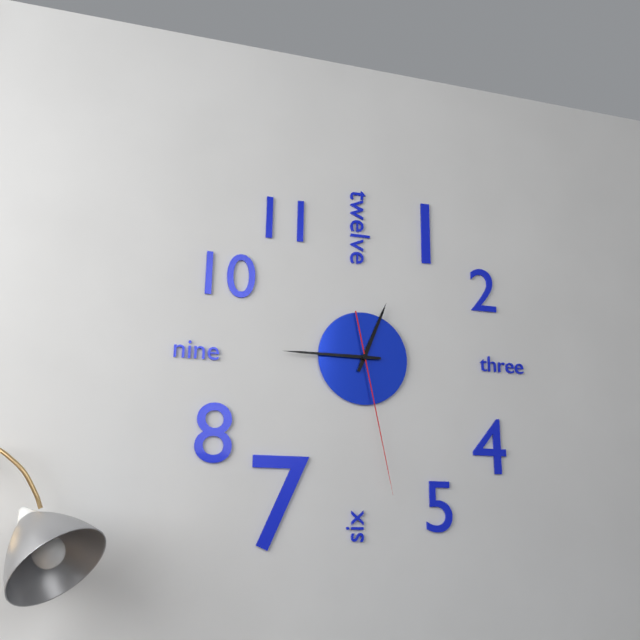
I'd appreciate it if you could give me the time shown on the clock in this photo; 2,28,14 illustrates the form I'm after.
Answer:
12,45,28
